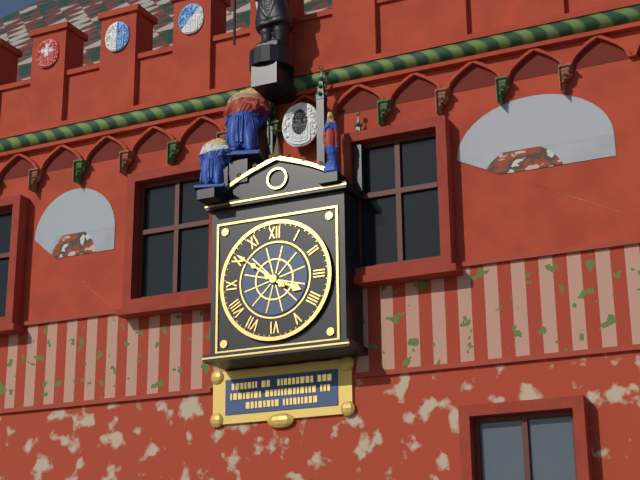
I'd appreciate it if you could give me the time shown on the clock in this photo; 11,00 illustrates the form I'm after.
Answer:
3,51
